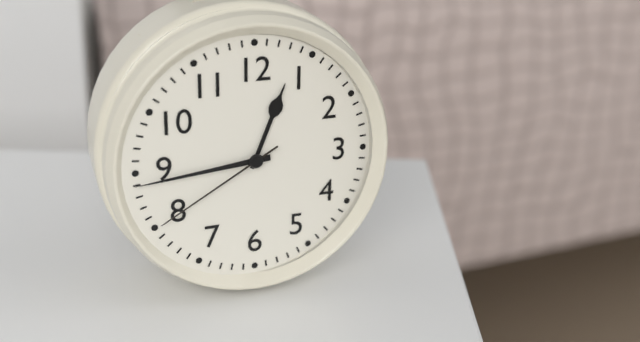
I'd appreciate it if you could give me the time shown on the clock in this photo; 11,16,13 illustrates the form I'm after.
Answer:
12,44,40
